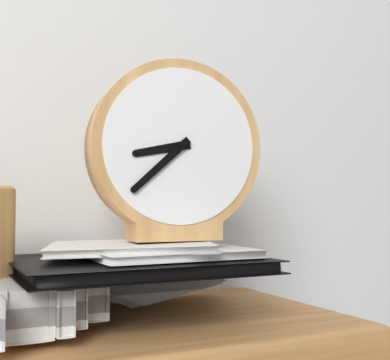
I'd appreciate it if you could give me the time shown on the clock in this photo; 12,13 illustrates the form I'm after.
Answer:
8,38
